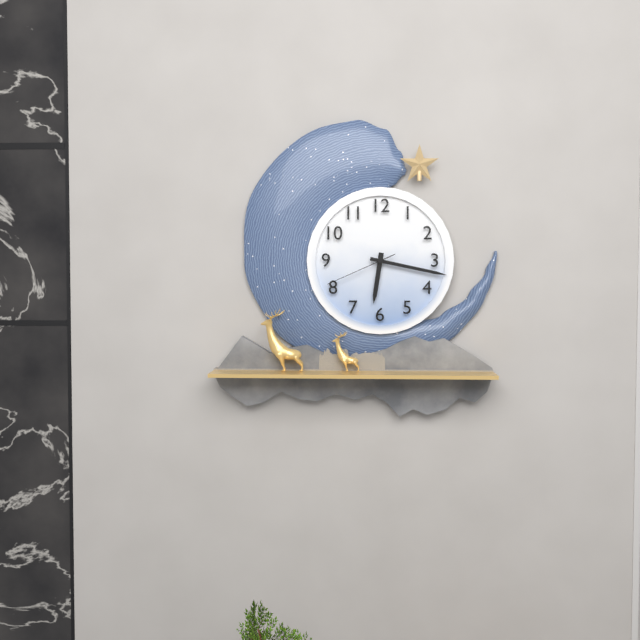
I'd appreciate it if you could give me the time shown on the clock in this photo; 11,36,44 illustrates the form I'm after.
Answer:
6,17,41
